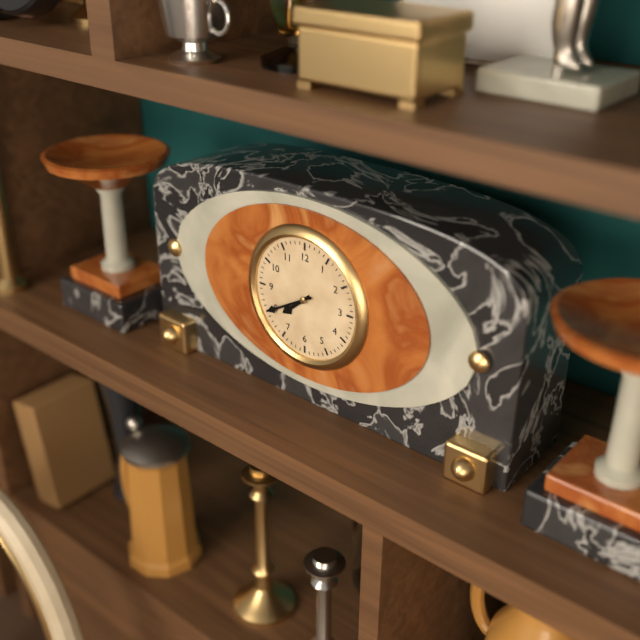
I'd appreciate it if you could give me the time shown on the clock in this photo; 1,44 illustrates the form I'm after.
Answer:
7,40
